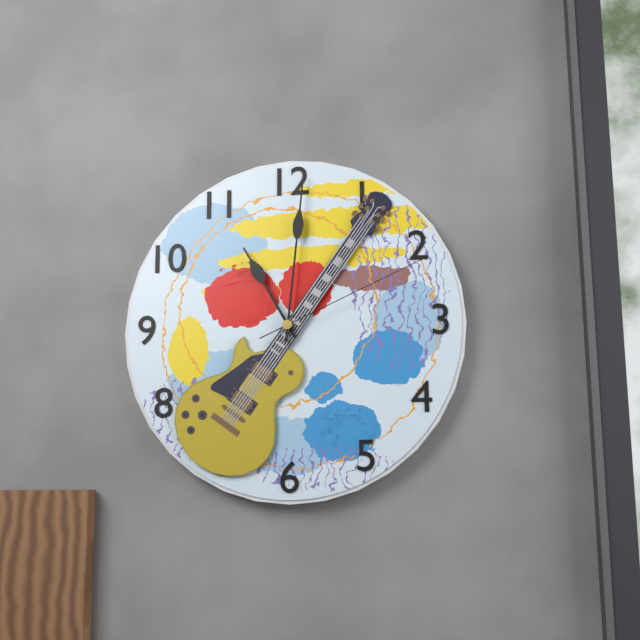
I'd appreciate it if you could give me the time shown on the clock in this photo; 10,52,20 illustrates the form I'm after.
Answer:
11,01,11
